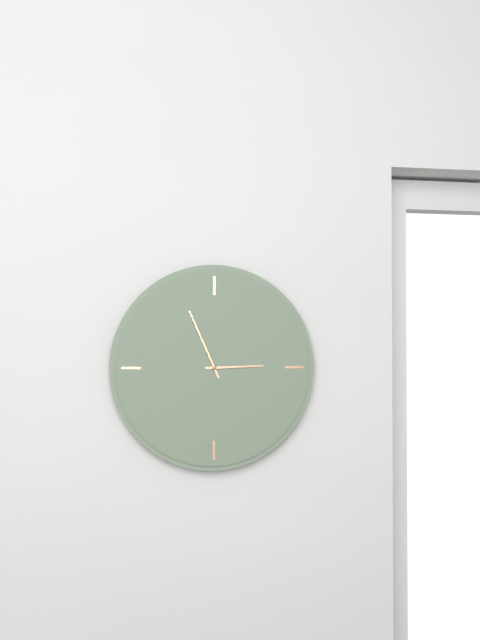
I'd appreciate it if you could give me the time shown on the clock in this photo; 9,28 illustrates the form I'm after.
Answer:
2,56
